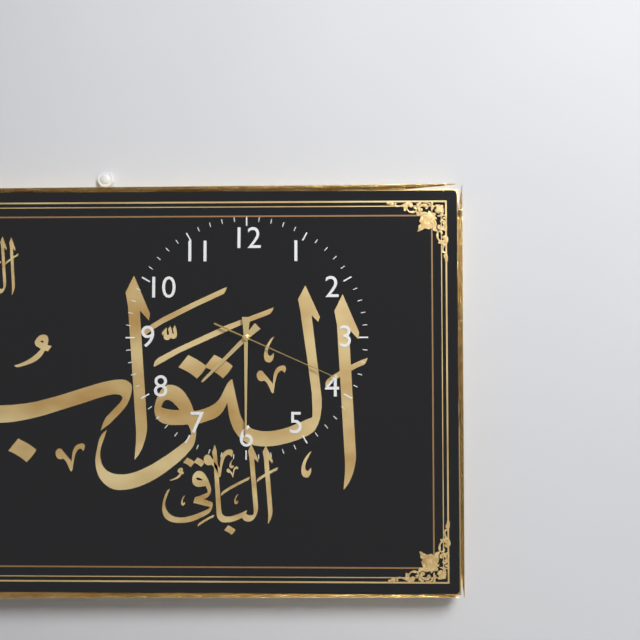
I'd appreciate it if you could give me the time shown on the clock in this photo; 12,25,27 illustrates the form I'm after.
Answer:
7,30,19
